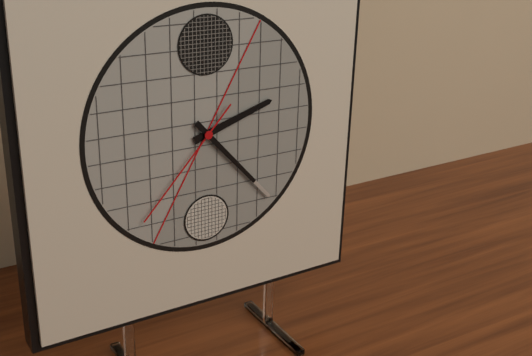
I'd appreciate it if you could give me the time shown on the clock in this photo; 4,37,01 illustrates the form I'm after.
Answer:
2,23,37
